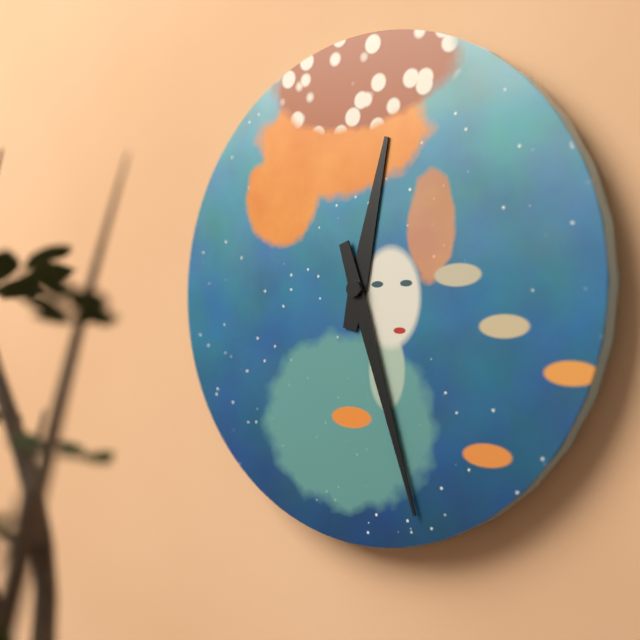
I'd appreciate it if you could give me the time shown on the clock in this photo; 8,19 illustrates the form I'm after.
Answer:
12,27
